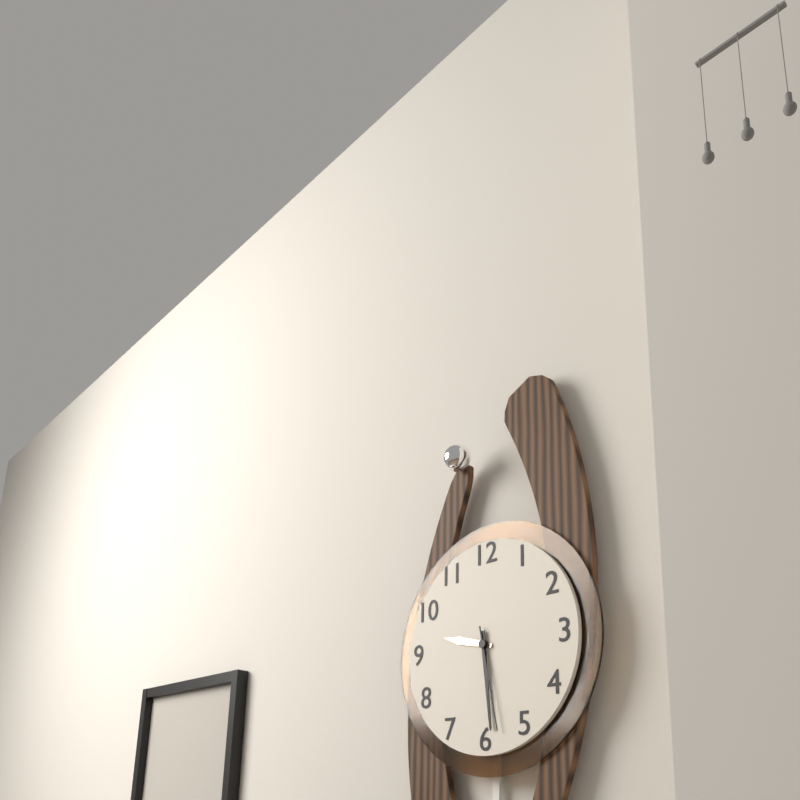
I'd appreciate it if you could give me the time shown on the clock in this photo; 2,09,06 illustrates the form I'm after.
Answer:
9,29,28
